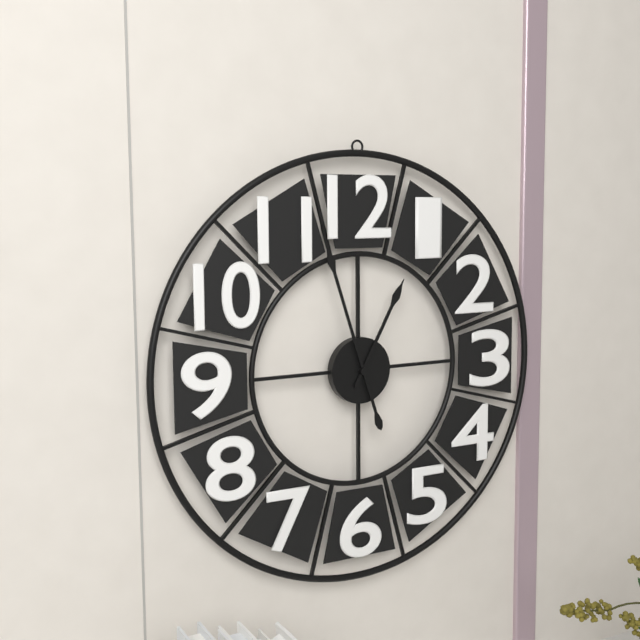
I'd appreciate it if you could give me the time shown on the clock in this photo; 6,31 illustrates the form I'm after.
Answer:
12,57
